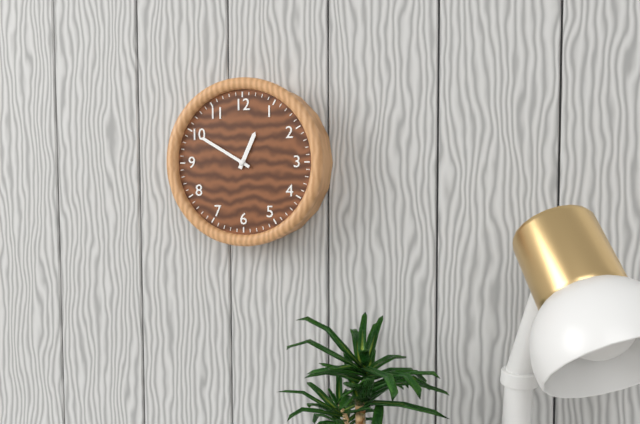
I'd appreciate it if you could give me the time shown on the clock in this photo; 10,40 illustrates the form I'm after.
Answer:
12,50
